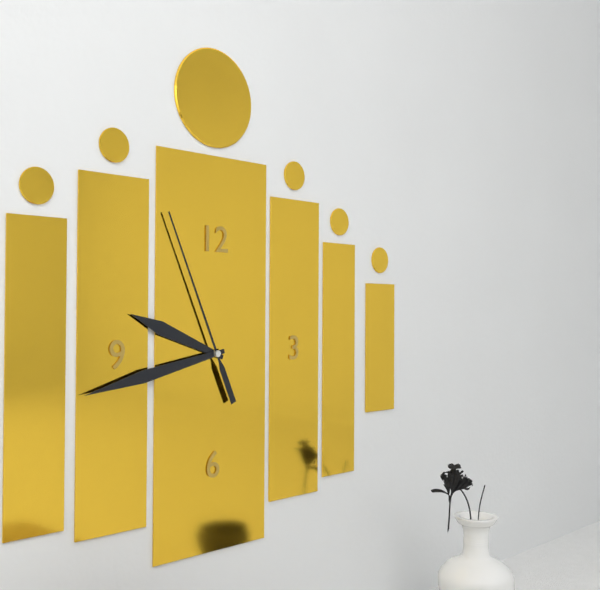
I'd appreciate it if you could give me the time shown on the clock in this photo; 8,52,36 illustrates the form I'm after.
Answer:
9,43,56
